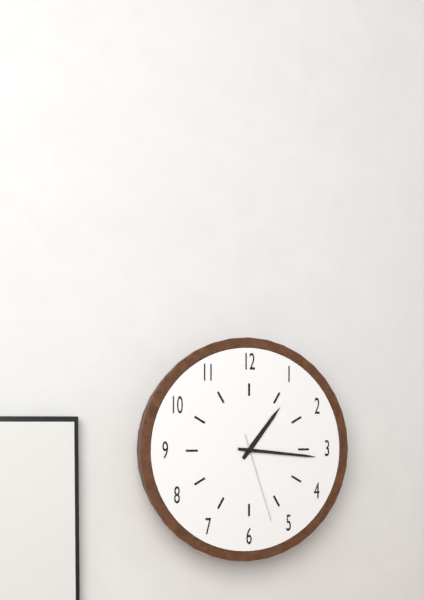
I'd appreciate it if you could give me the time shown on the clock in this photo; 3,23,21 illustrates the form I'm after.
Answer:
1,16,27
